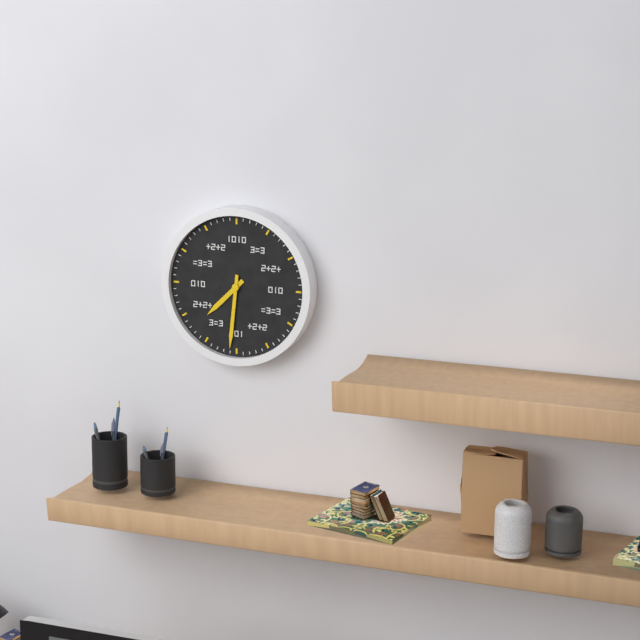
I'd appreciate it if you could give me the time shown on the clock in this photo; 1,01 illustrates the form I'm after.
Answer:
7,31
